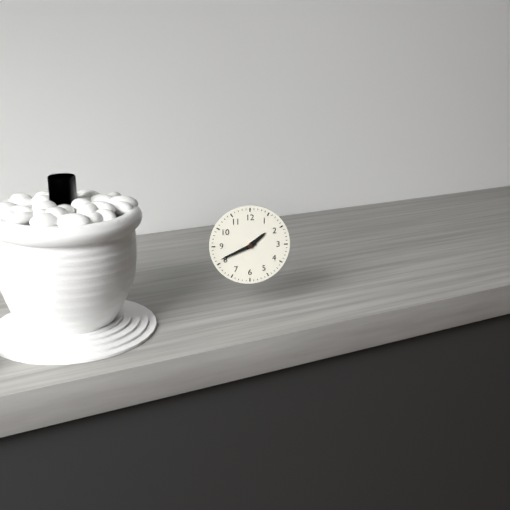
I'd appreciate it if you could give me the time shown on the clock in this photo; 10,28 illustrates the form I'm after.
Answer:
1,41
